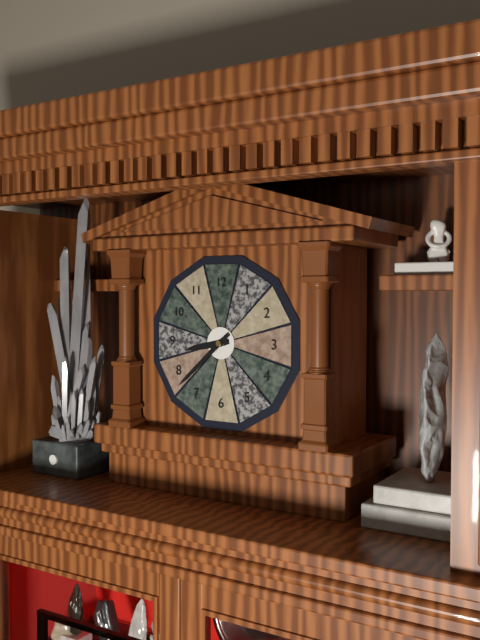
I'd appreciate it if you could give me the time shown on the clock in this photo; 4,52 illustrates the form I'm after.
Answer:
8,38
